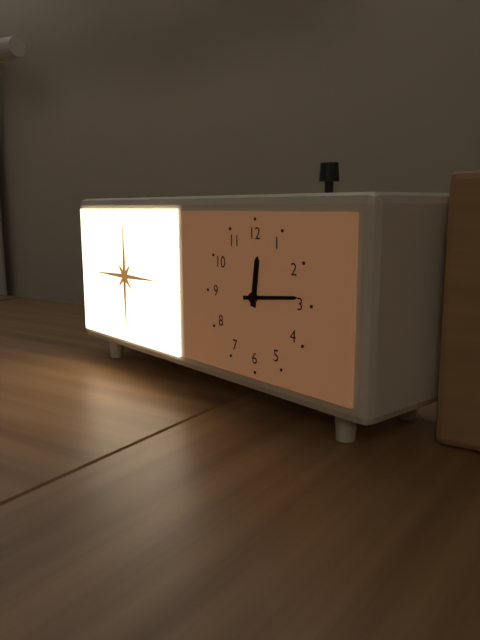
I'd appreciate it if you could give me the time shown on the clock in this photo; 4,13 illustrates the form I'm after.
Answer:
12,14
